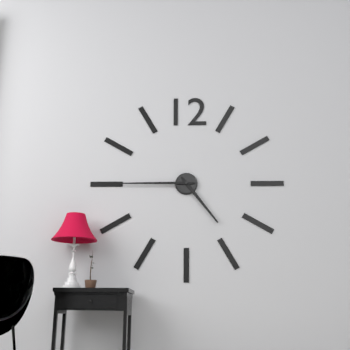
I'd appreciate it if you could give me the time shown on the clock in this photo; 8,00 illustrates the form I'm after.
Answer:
4,45
